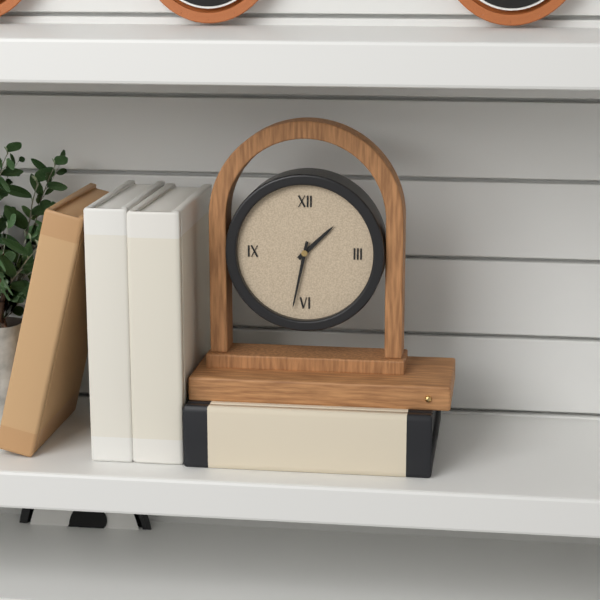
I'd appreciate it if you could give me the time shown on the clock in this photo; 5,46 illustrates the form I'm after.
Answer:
1,32
